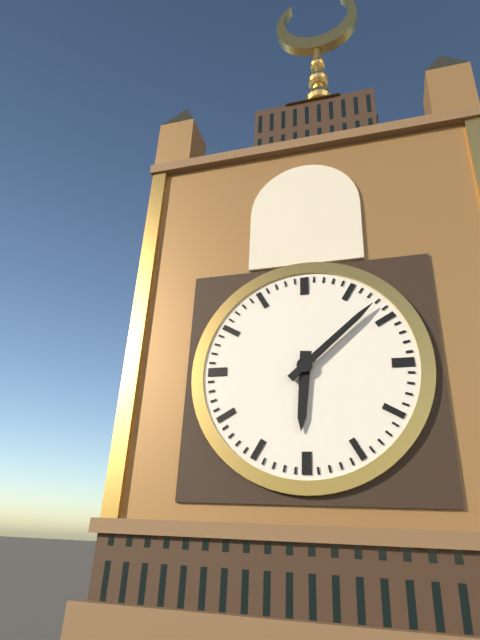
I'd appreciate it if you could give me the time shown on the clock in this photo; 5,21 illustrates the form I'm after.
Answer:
6,08
